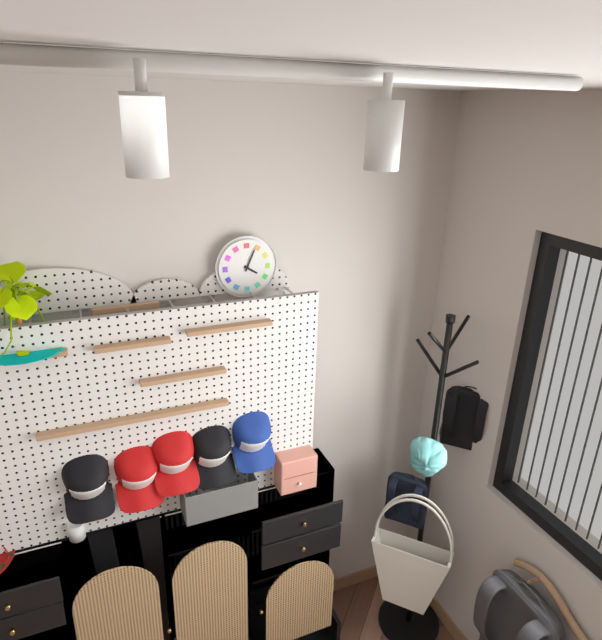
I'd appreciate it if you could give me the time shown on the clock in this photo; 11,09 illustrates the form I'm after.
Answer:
4,04
